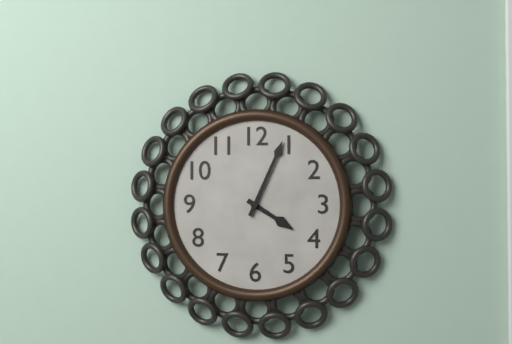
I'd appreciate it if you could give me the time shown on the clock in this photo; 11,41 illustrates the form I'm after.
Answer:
4,04
